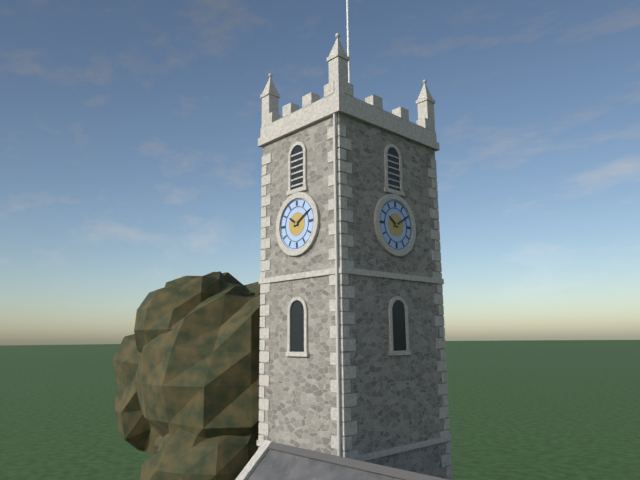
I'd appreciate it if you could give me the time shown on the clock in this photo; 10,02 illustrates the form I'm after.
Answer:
10,10
